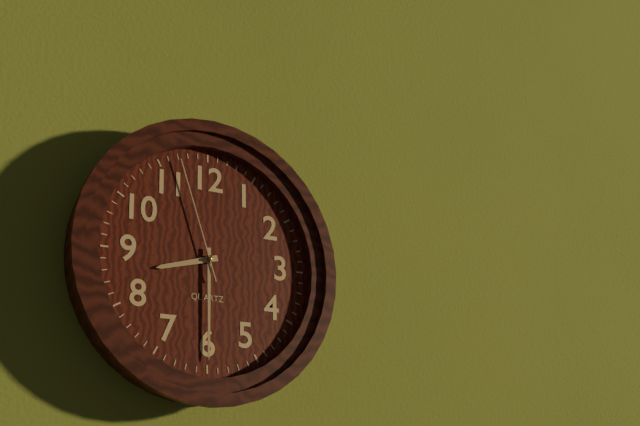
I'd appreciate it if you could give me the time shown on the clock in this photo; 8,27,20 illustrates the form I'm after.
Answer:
8,30,57
